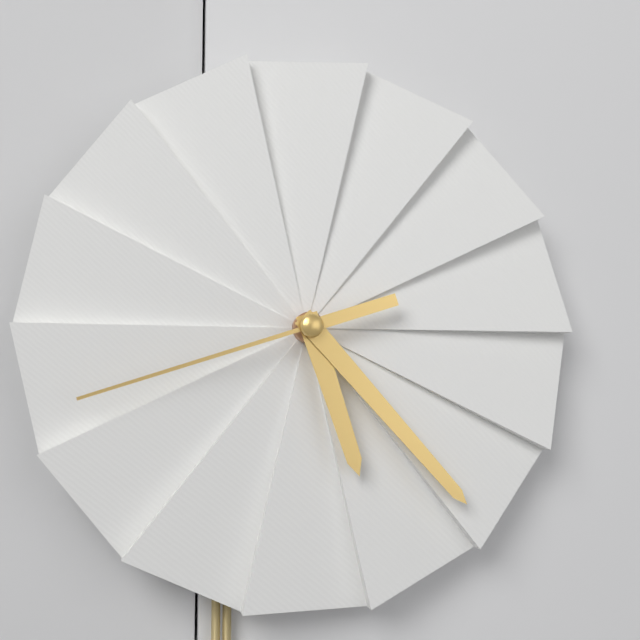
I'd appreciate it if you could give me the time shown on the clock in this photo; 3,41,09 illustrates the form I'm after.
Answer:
5,23,42
